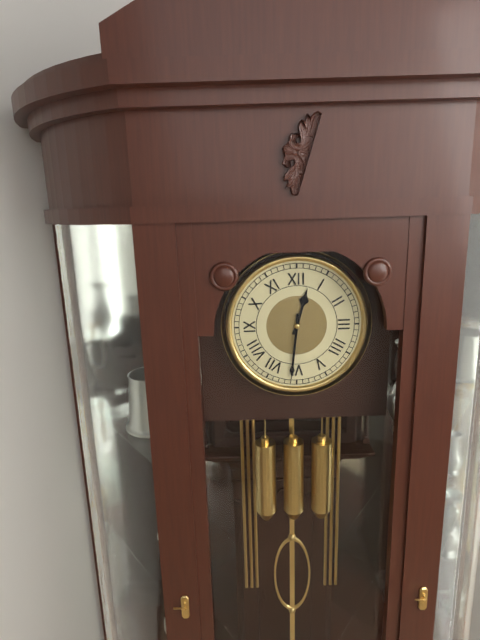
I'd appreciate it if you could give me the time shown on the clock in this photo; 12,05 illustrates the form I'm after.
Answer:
12,31
